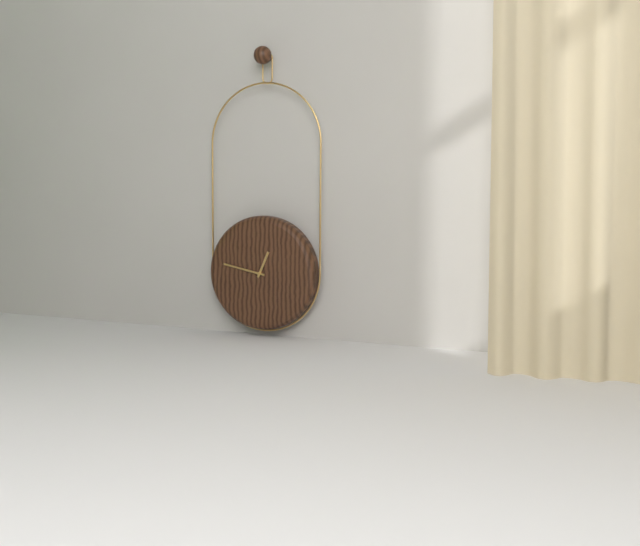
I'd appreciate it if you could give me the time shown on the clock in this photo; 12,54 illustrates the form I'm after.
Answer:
12,47
